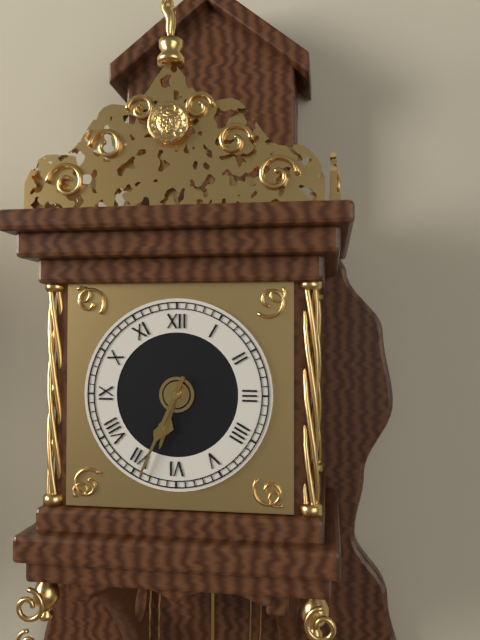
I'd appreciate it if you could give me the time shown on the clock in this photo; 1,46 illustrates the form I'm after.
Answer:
6,34
